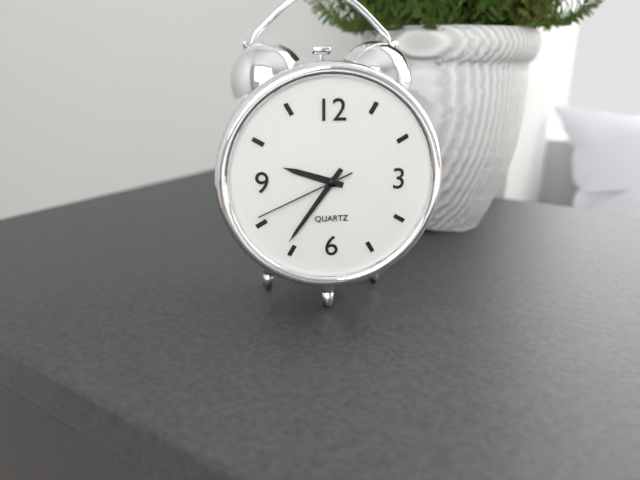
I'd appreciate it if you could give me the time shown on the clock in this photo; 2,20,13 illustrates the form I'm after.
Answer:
9,36,41
